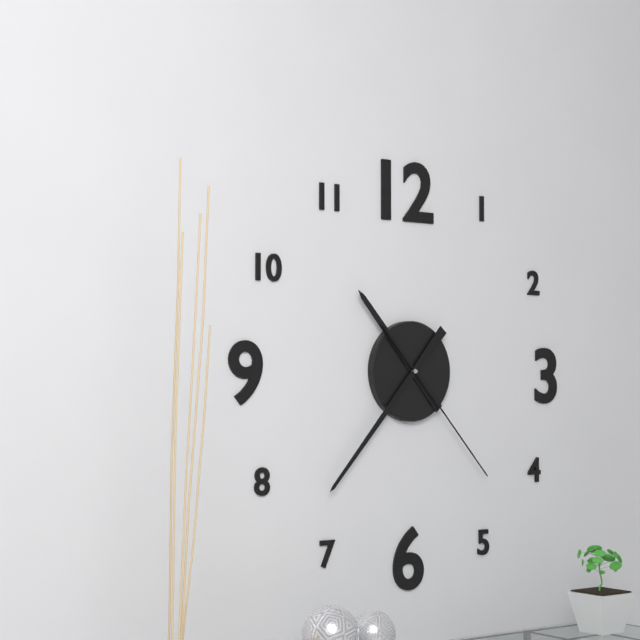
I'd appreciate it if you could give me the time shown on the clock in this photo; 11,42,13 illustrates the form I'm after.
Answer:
10,37,23
